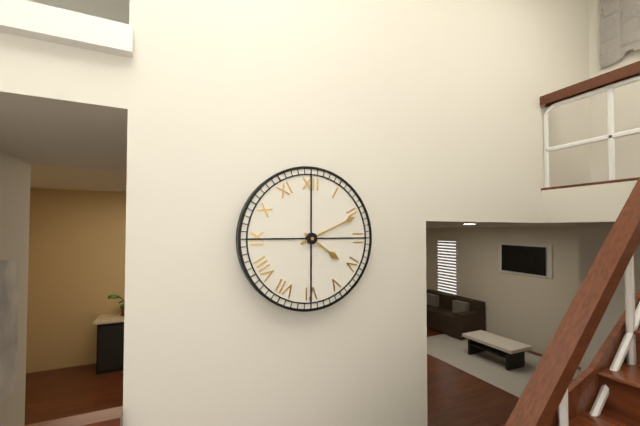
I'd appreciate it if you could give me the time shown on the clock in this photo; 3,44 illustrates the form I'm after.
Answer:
4,11
